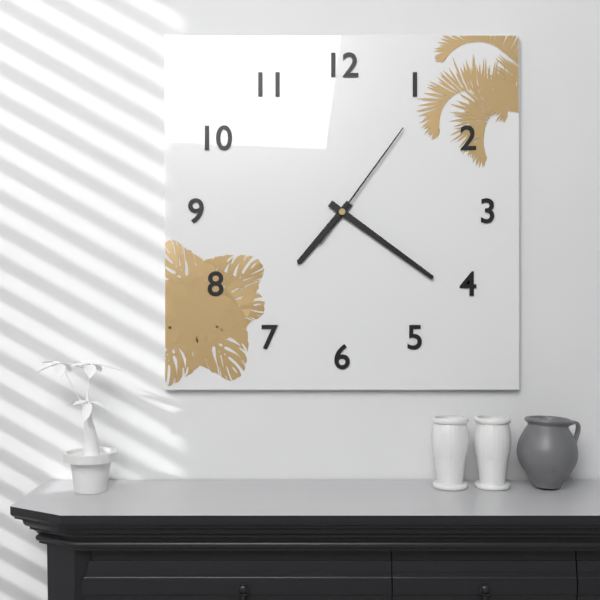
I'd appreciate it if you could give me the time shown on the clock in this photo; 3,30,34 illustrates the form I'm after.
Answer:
7,21,06
